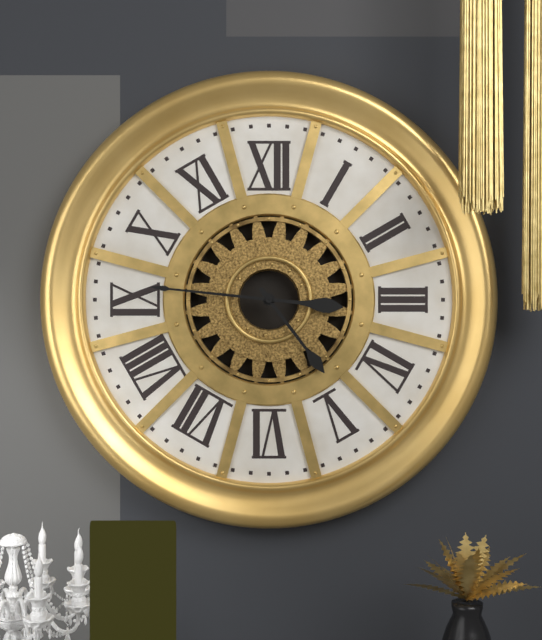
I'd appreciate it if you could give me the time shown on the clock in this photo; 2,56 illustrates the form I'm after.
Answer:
4,46
